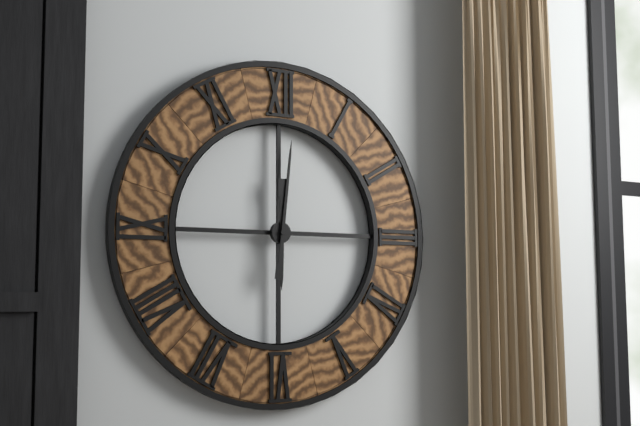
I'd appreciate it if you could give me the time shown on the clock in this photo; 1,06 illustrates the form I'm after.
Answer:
6,01
